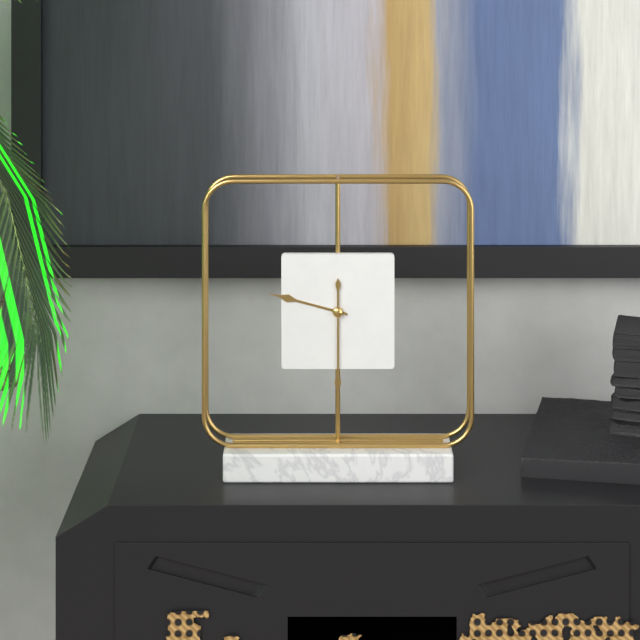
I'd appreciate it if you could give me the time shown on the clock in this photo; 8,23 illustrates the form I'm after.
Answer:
9,30
